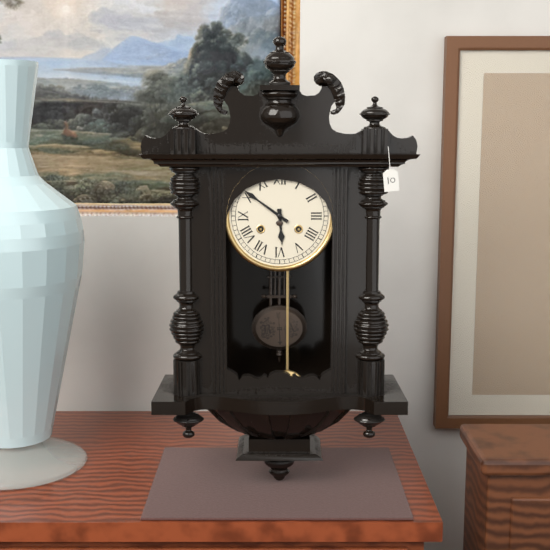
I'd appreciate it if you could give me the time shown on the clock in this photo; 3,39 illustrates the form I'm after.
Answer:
5,51
